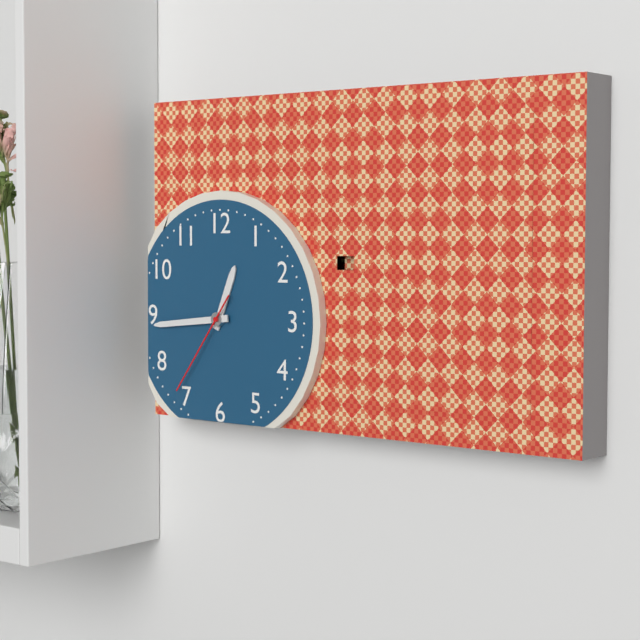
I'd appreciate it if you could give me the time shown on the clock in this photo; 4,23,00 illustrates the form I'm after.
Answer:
12,44,36
